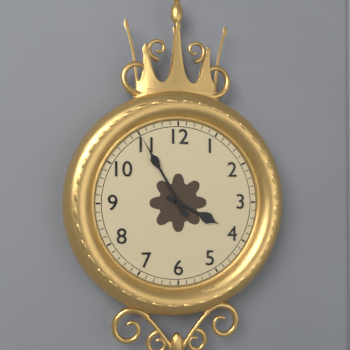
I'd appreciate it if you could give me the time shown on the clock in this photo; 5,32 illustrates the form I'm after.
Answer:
3,55
